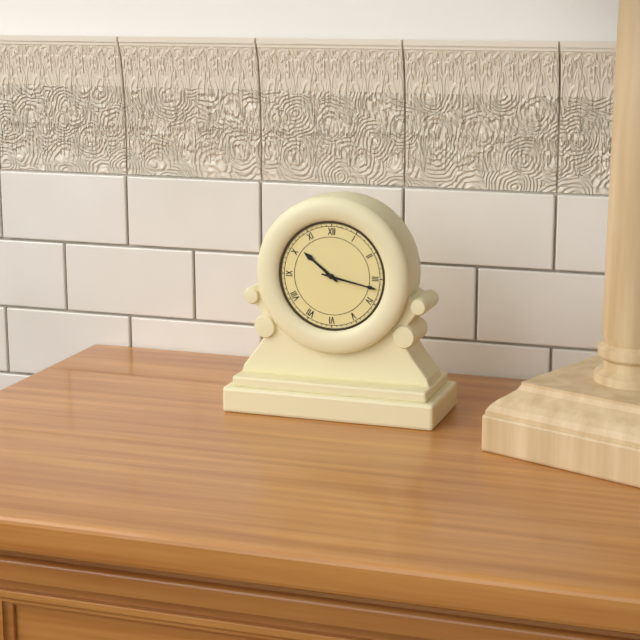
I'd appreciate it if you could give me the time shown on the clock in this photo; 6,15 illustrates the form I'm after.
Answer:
10,17
